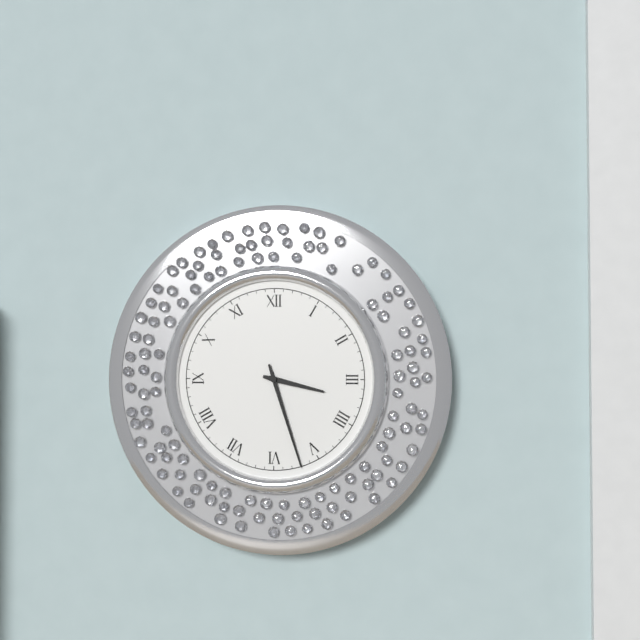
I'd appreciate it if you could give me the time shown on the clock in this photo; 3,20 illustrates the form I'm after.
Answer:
3,27
